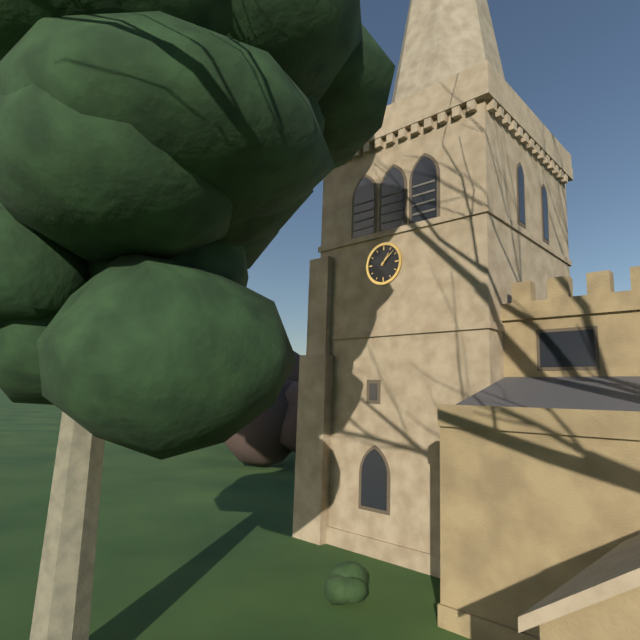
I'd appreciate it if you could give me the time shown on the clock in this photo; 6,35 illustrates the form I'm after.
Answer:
1,08
